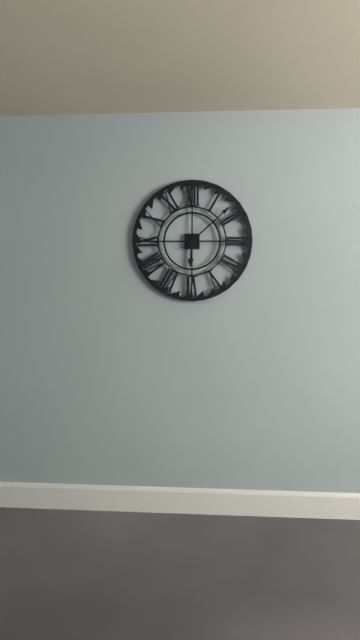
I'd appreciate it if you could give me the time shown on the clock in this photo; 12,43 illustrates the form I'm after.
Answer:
6,08
